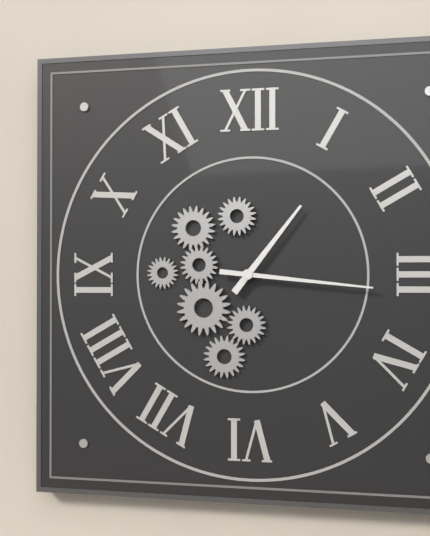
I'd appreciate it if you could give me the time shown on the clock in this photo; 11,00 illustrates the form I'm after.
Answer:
1,16
